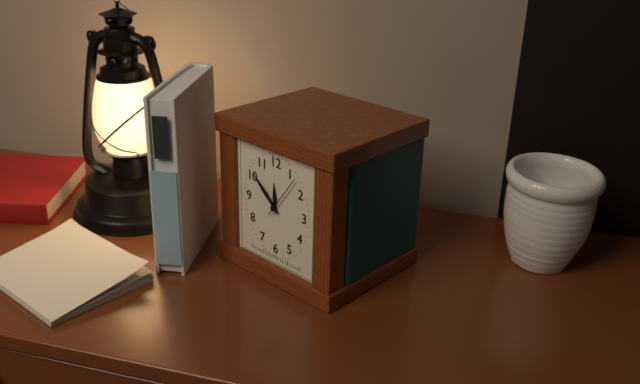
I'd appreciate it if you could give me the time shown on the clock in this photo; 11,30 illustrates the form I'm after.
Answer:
11,52
